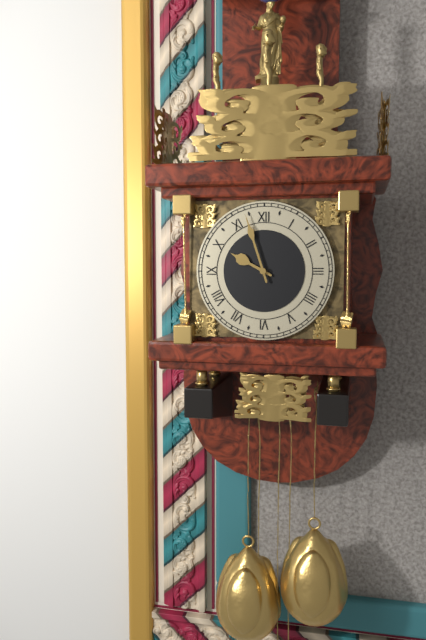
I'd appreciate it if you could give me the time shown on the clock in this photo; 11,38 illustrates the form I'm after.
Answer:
9,57
